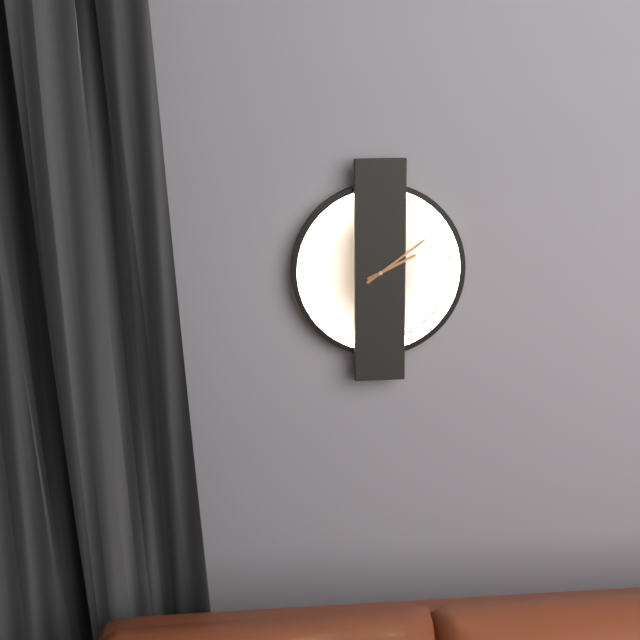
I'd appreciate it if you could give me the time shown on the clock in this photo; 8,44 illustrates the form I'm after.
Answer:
2,09
